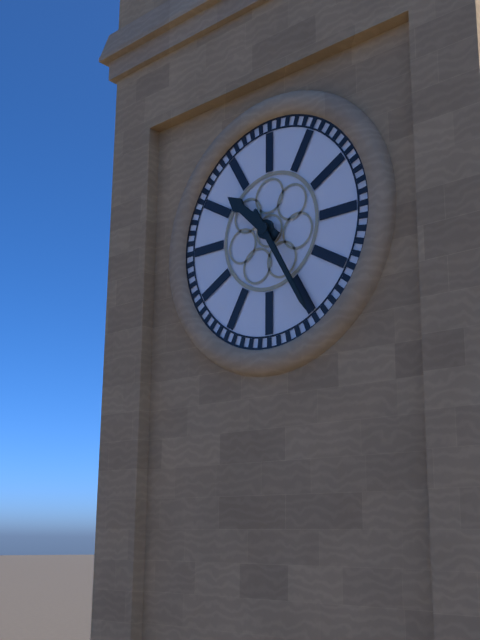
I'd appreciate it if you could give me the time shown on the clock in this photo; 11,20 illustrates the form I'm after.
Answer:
10,25
